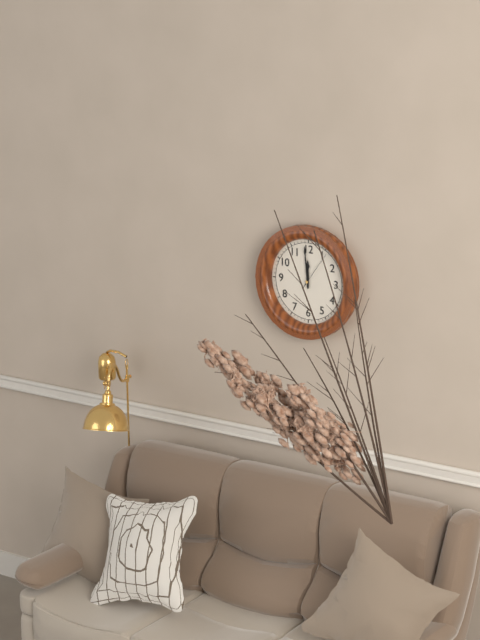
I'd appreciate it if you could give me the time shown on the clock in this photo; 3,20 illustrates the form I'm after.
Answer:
11,59
